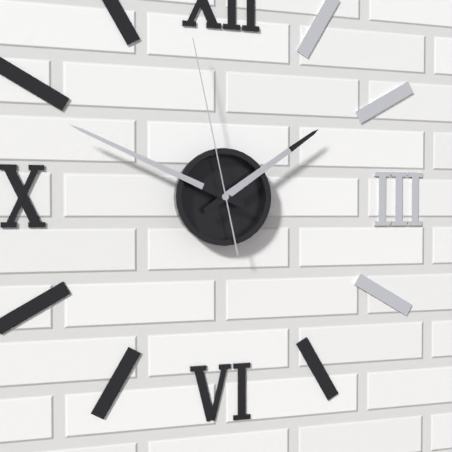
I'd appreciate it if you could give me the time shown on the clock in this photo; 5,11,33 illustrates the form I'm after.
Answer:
1,49,58
